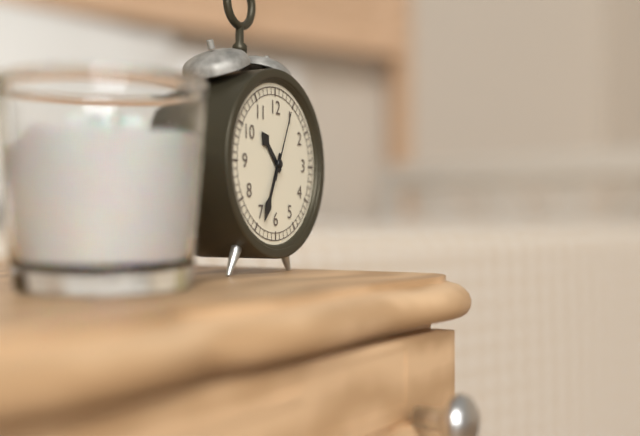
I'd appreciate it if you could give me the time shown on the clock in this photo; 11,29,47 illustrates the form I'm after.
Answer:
10,34,04
